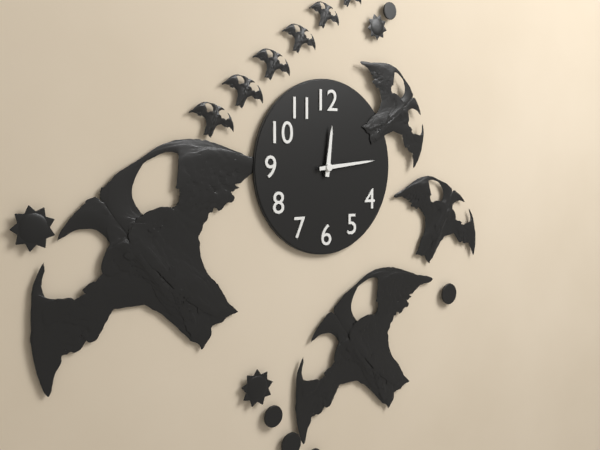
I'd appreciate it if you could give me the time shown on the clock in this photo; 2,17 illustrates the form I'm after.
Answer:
12,14
